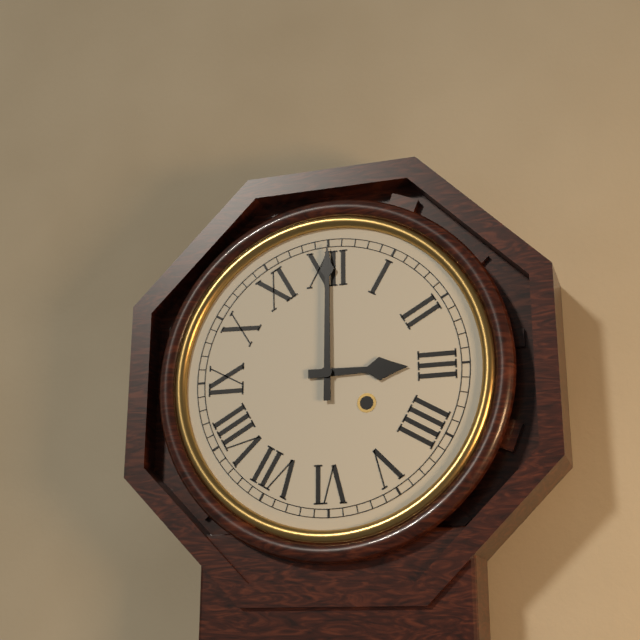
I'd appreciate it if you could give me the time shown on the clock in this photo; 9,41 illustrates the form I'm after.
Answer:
3,00
